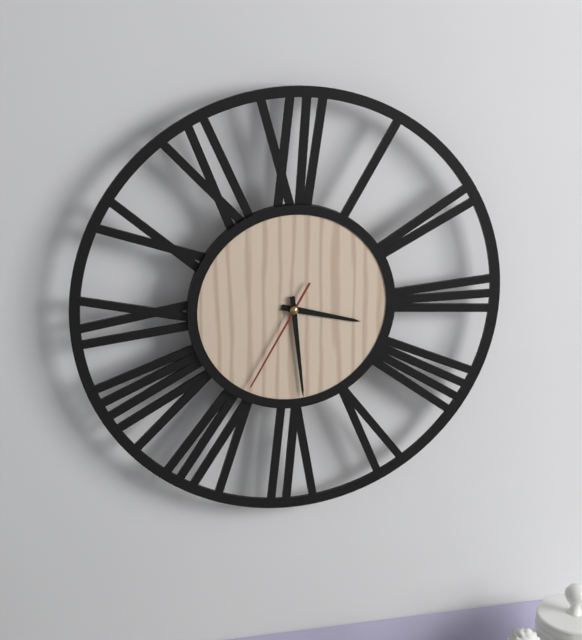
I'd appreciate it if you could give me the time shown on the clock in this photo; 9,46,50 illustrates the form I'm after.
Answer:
3,29,35
